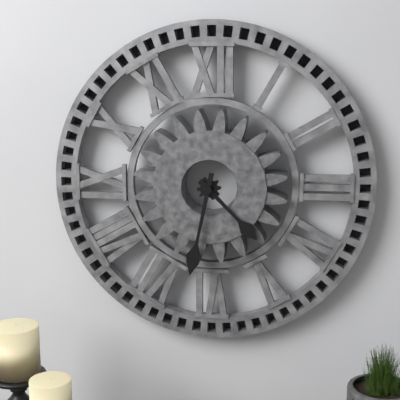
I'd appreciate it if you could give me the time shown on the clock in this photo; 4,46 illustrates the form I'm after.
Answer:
4,32
